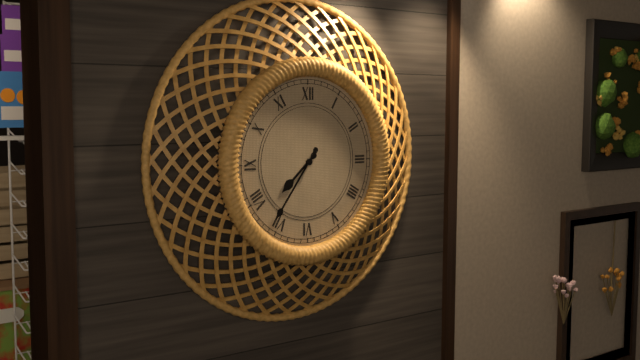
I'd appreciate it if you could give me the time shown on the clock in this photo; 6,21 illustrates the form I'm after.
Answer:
7,36
